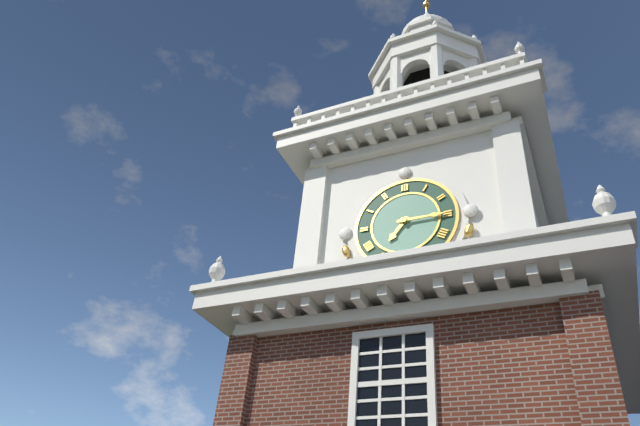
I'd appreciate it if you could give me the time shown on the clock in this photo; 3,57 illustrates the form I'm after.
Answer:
7,15
